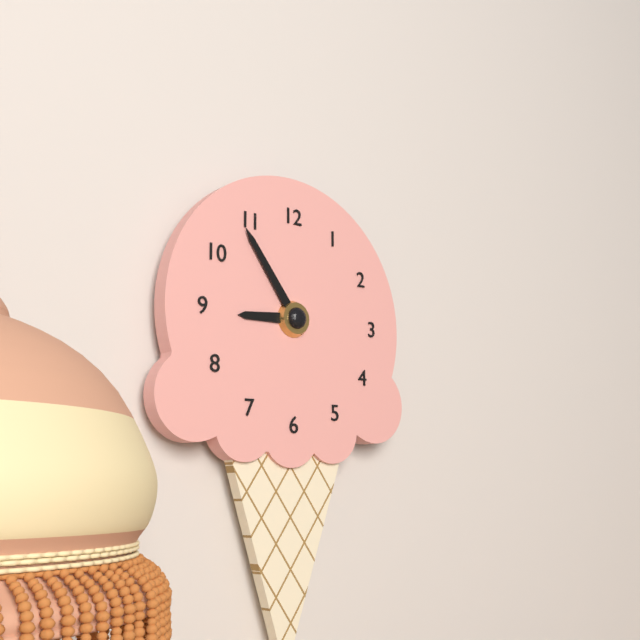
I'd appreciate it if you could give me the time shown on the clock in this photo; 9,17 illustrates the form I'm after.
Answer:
8,54
